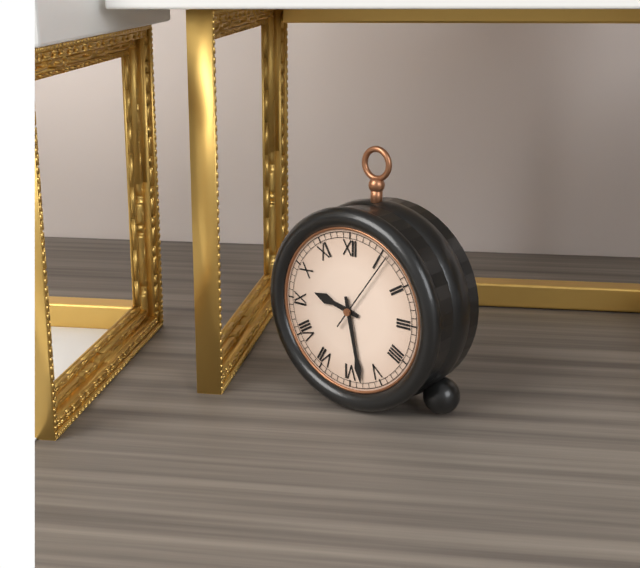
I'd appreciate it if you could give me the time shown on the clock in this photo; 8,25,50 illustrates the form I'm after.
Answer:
9,28,06
